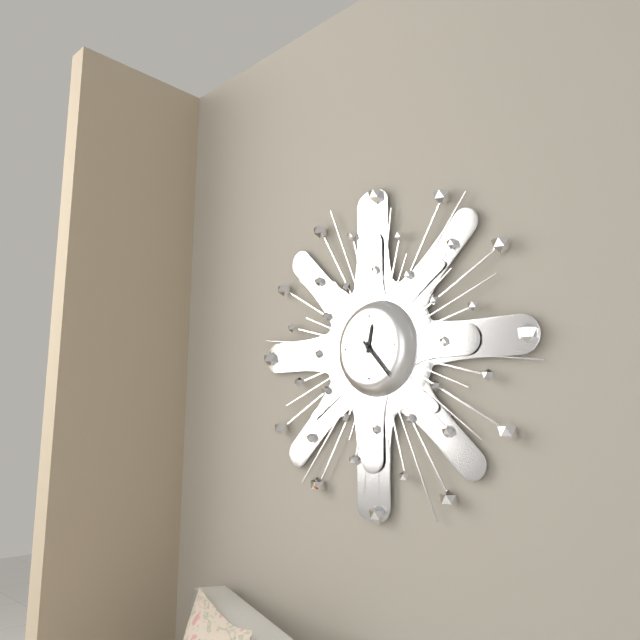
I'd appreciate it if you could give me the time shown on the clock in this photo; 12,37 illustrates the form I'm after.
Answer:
12,23
